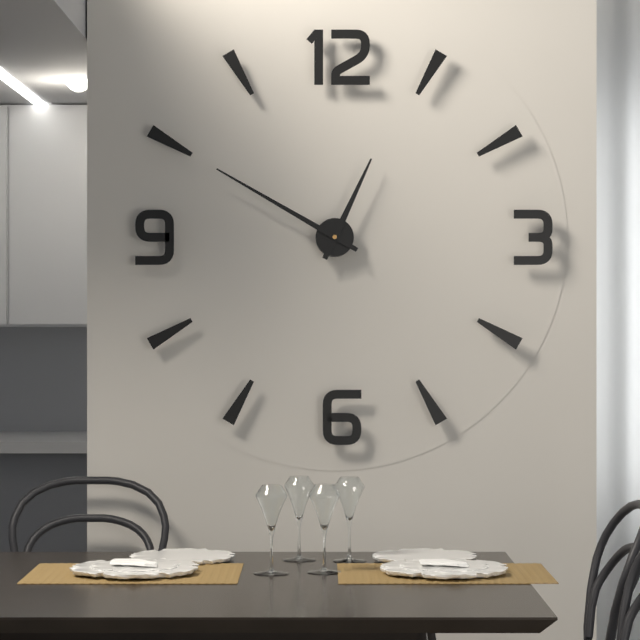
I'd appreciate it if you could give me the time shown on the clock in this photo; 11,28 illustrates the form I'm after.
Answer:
12,50
